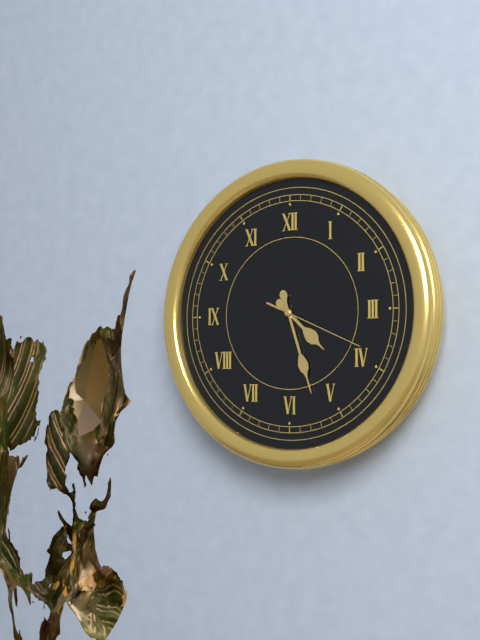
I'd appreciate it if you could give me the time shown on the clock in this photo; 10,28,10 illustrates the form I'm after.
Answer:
4,27,19
